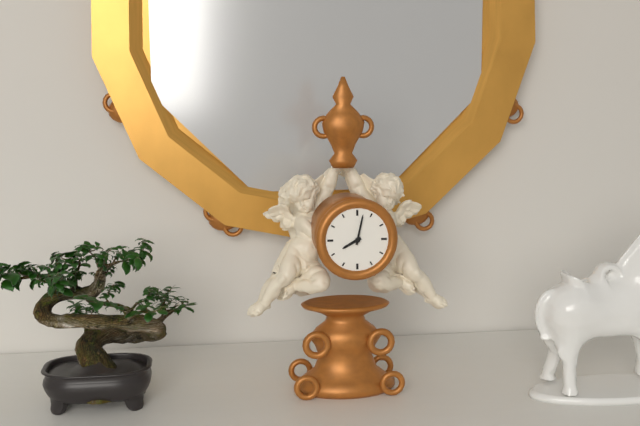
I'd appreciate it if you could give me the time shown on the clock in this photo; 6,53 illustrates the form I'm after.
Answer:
8,02
